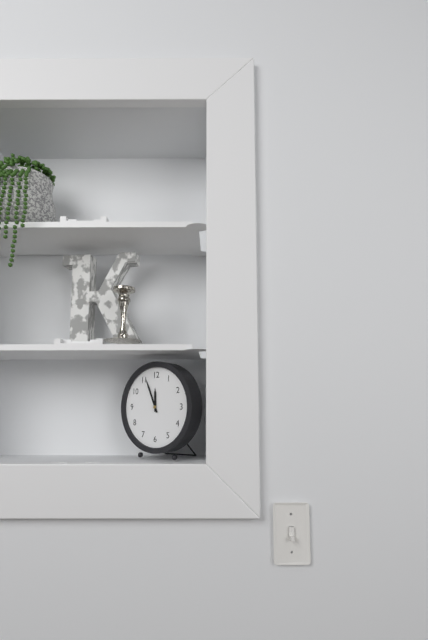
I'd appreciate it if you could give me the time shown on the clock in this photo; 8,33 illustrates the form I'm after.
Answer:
11,56
